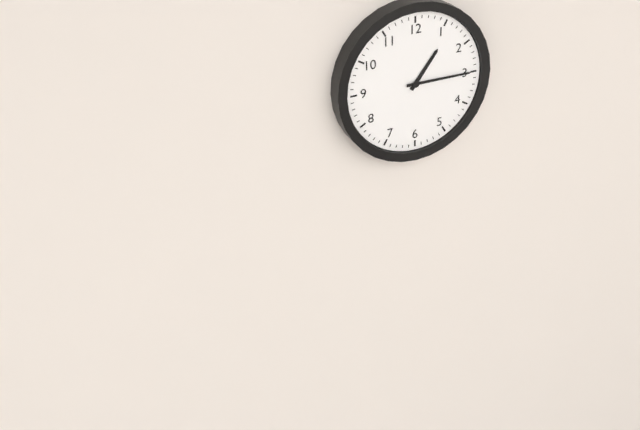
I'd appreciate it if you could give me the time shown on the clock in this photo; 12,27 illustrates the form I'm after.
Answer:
1,15
